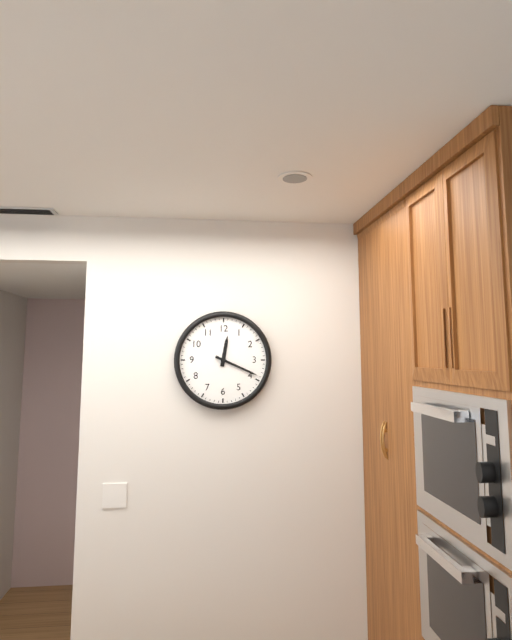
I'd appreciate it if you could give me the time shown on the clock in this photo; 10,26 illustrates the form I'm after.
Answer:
12,19
